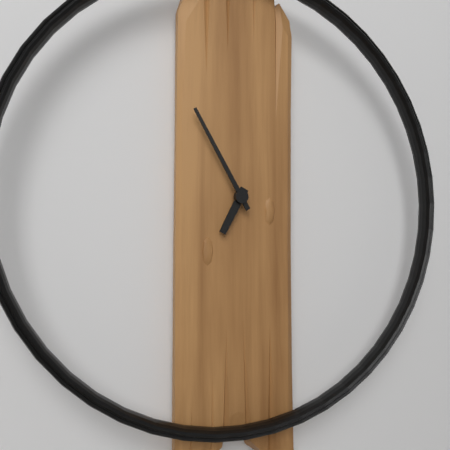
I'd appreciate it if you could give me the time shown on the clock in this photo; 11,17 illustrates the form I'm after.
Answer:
6,55
